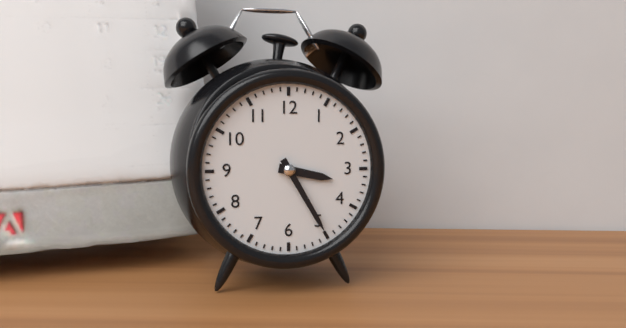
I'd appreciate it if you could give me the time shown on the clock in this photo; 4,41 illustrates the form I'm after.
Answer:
3,25
